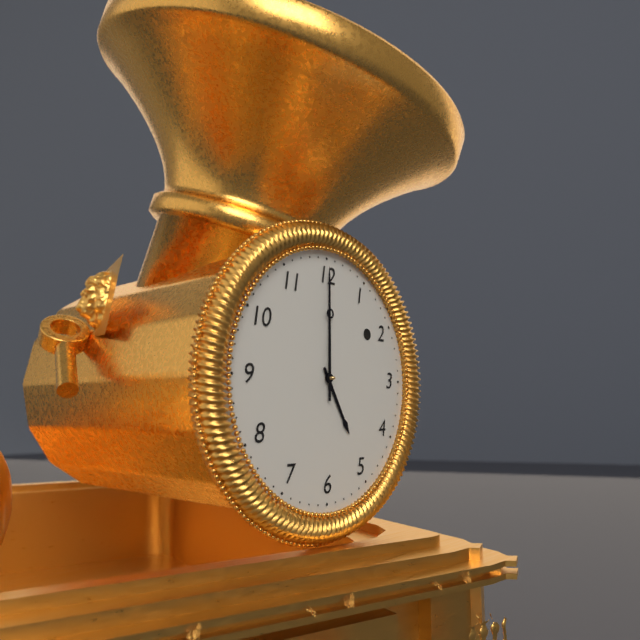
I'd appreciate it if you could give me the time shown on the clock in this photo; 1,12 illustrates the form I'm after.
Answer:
5,00
